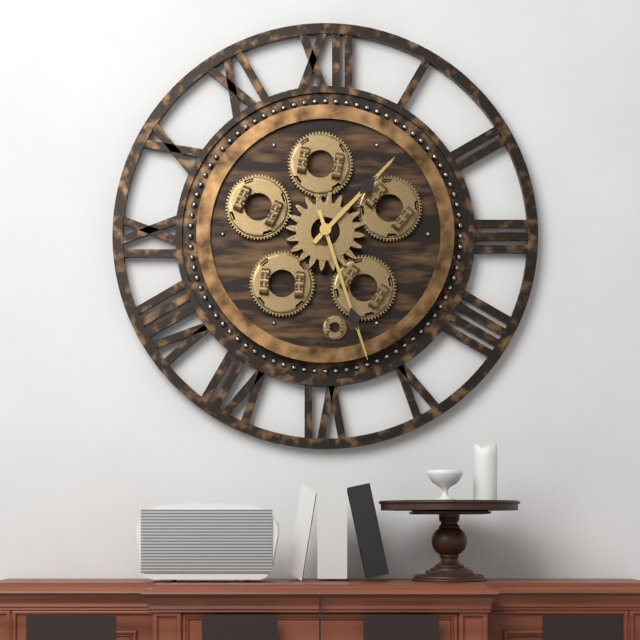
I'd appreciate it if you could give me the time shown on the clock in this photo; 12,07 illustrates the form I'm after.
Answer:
1,27
